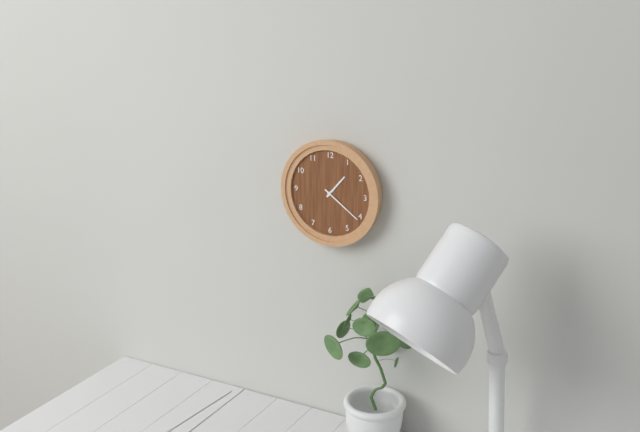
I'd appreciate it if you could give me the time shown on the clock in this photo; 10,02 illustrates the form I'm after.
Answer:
1,21
